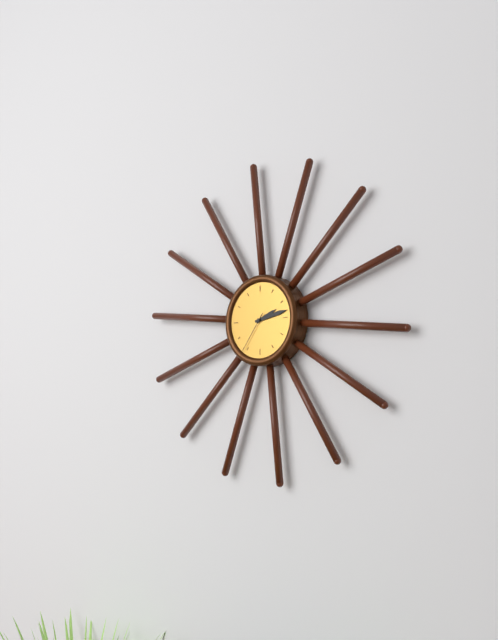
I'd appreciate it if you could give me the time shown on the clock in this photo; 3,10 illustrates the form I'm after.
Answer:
2,13
